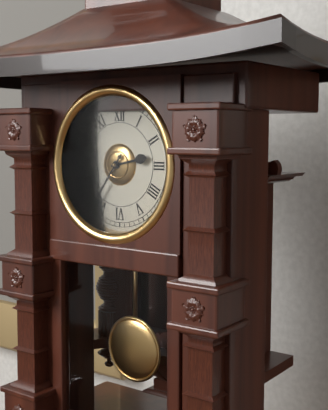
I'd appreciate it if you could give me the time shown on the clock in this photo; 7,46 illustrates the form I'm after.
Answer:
2,36
